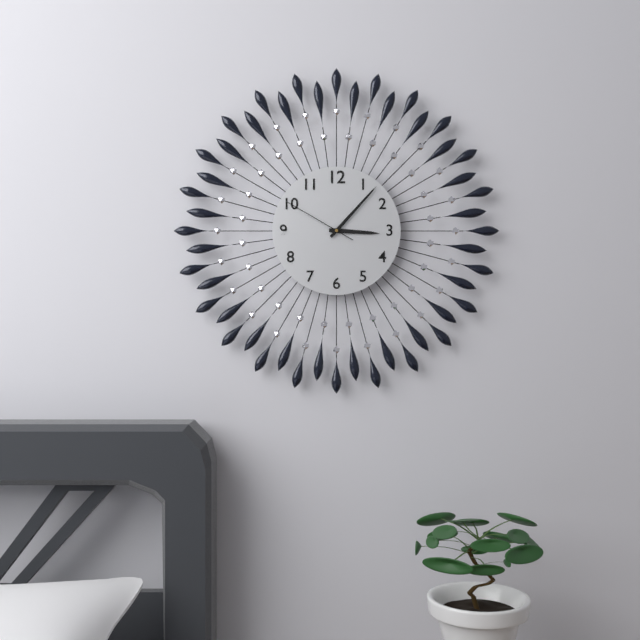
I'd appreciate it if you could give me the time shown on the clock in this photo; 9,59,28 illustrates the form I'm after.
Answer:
3,07,50
